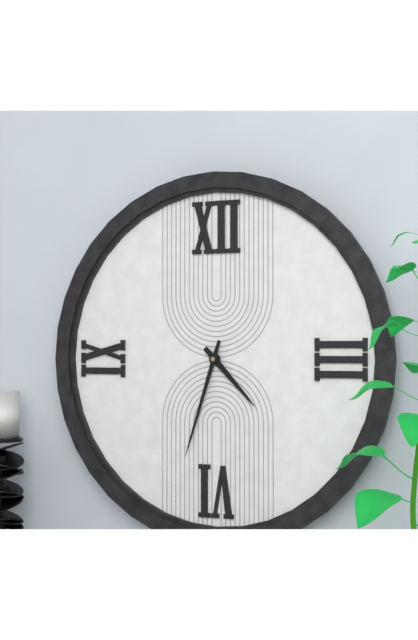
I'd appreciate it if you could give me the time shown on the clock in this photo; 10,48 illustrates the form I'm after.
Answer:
4,33
